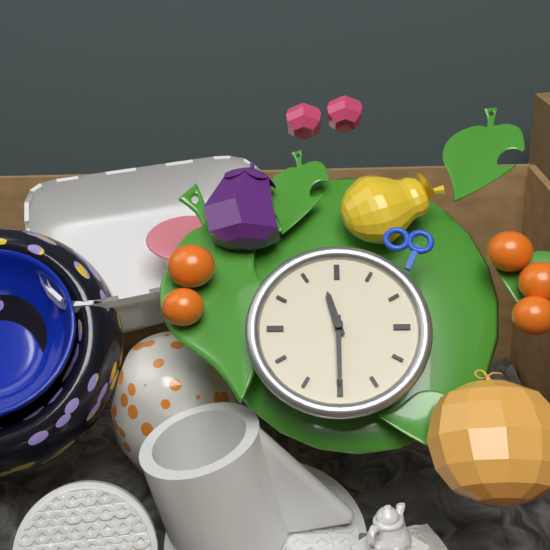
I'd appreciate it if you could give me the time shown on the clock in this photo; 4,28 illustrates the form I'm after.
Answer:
11,30
